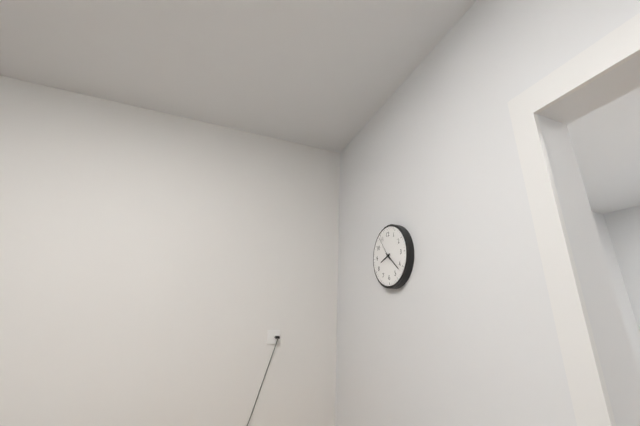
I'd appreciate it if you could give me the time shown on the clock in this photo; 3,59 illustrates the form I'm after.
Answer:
8,22
